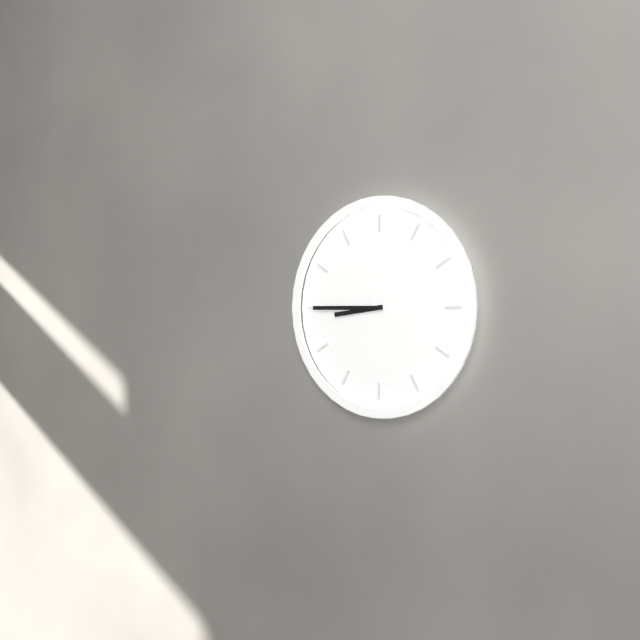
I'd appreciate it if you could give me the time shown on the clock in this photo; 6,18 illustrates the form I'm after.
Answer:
8,45
